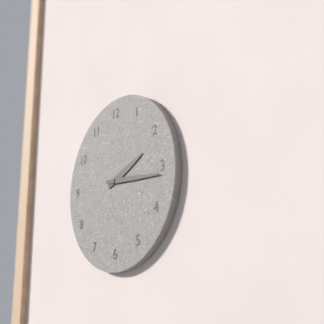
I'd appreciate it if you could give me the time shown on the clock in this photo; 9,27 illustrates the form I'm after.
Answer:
2,16
